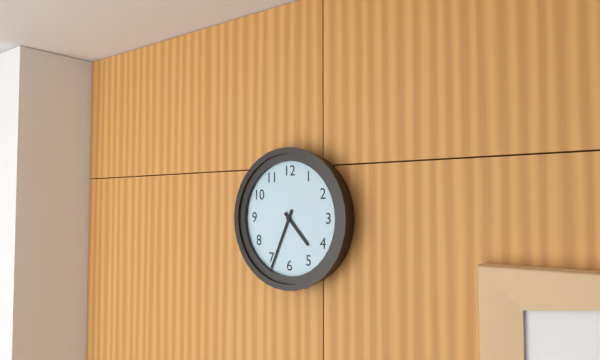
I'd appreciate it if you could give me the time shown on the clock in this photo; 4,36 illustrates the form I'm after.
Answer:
4,34
